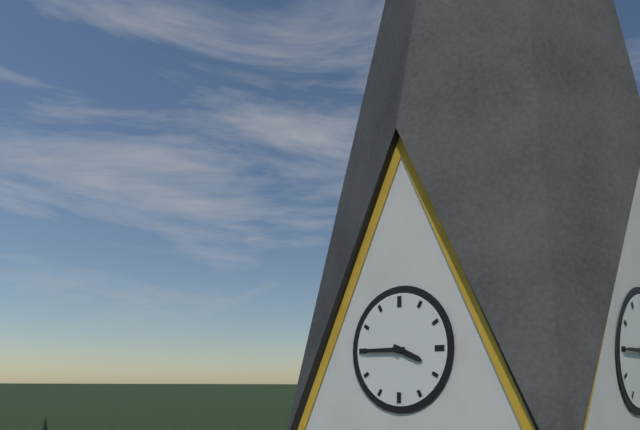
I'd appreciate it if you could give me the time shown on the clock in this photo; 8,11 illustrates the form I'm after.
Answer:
3,45
